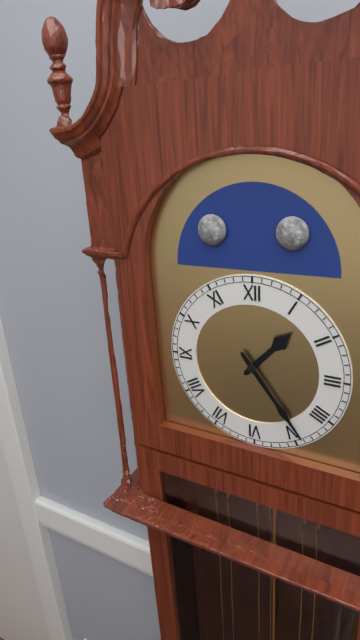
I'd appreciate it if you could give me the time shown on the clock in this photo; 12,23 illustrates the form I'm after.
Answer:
1,24
